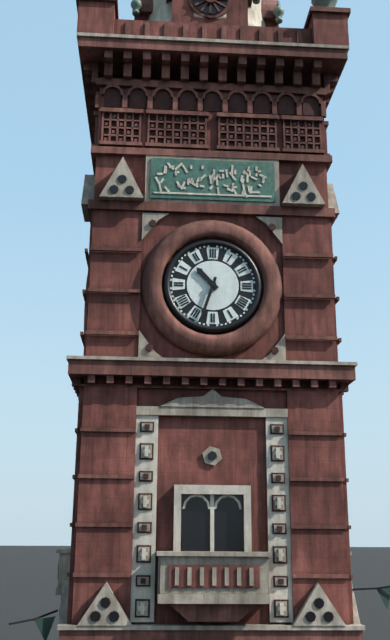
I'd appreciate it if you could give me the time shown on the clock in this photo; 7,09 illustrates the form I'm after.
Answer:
10,33
